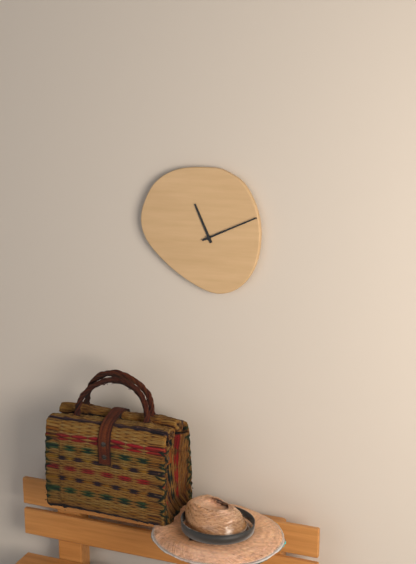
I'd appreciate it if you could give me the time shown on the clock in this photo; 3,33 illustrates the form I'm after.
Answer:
11,11
